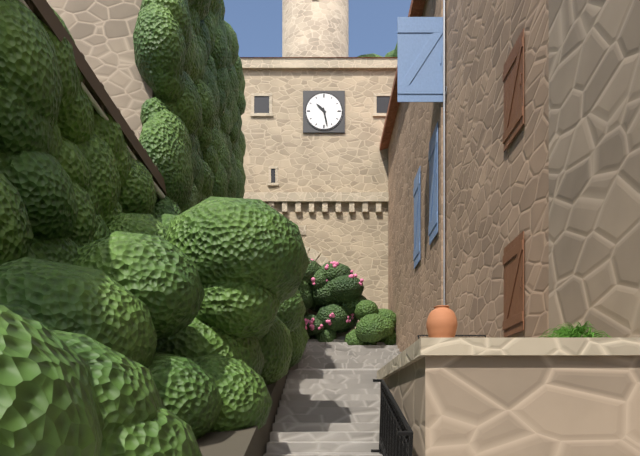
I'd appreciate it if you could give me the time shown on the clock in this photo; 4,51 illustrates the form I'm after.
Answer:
10,28
